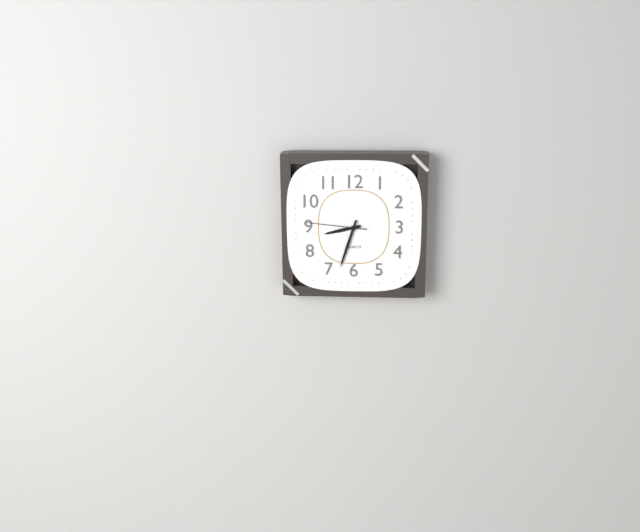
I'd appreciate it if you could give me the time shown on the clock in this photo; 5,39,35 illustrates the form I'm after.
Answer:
8,33,46
